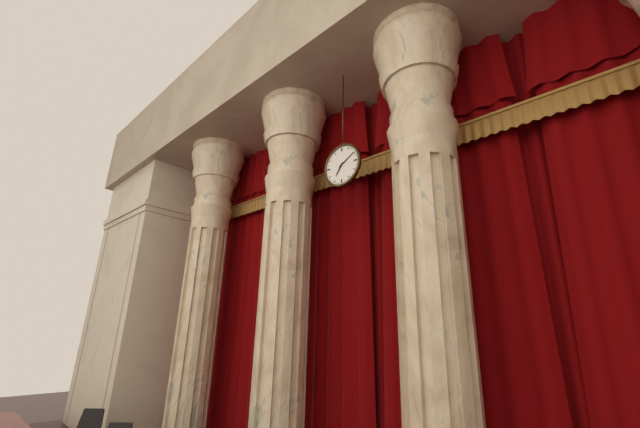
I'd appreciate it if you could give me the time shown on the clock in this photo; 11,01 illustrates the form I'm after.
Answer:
7,10
